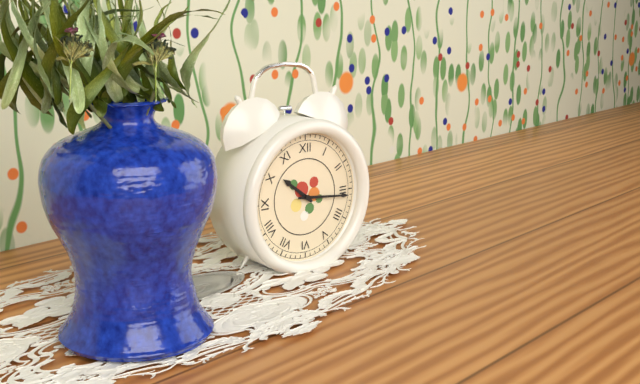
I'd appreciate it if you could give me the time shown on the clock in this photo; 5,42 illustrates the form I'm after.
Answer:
10,16
